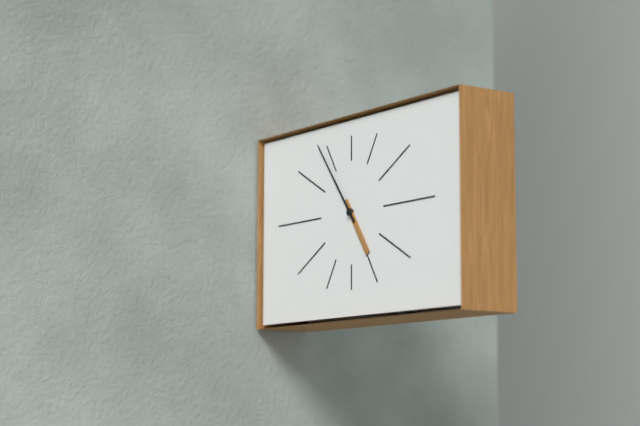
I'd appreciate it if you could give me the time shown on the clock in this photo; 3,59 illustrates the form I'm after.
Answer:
4,54
